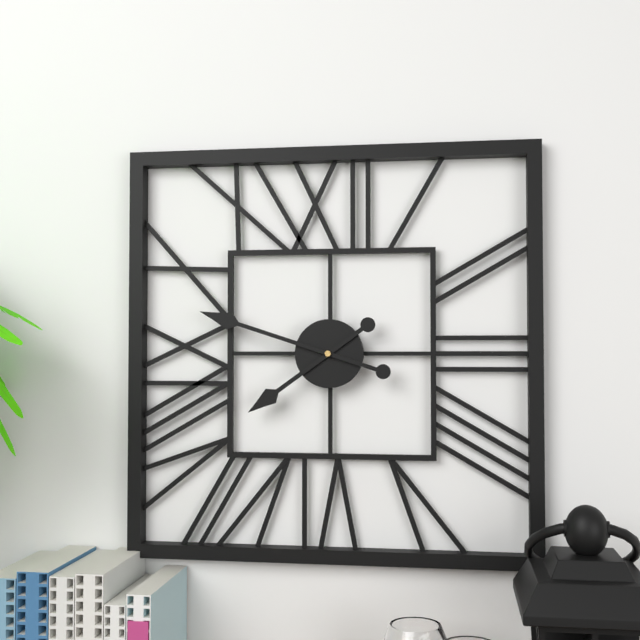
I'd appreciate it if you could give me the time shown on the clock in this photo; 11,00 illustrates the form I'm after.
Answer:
7,48
